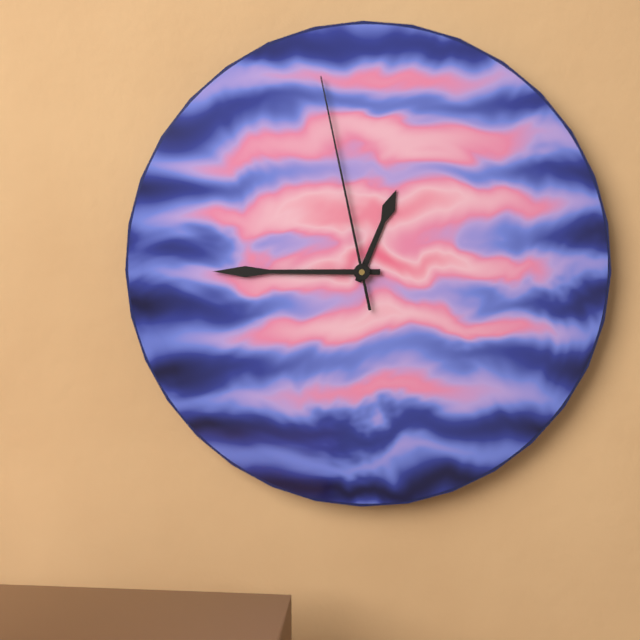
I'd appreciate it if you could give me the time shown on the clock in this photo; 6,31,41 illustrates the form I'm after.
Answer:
12,45,58
